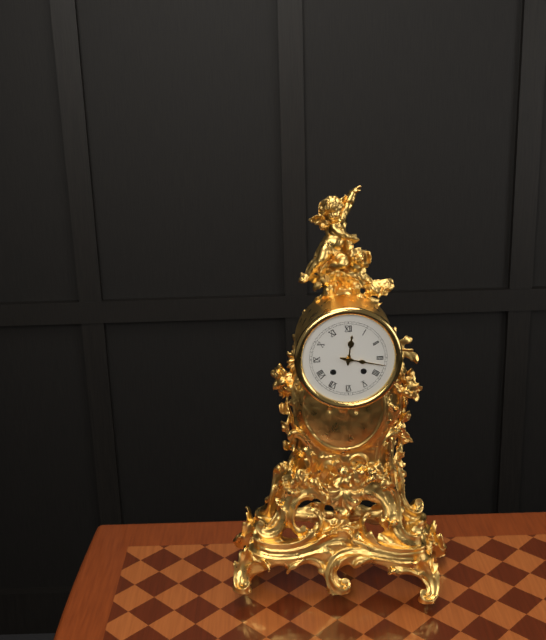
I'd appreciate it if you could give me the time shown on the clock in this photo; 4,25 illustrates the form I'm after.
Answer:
12,17
